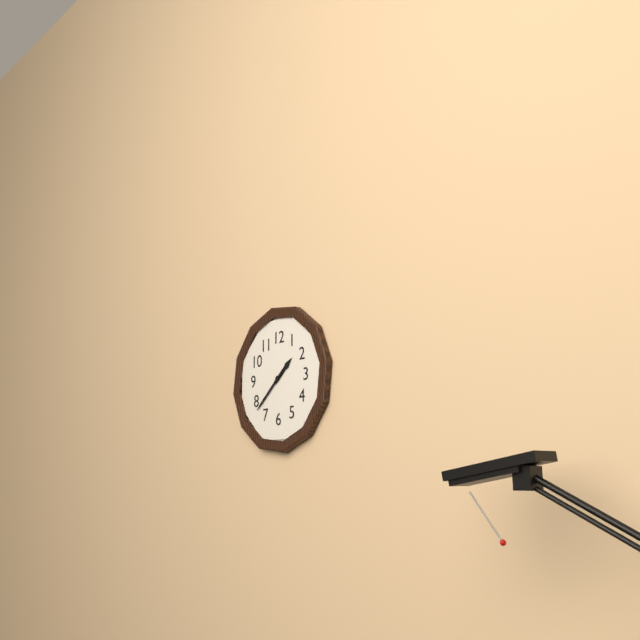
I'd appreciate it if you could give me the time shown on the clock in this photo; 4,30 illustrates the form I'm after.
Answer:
1,38
